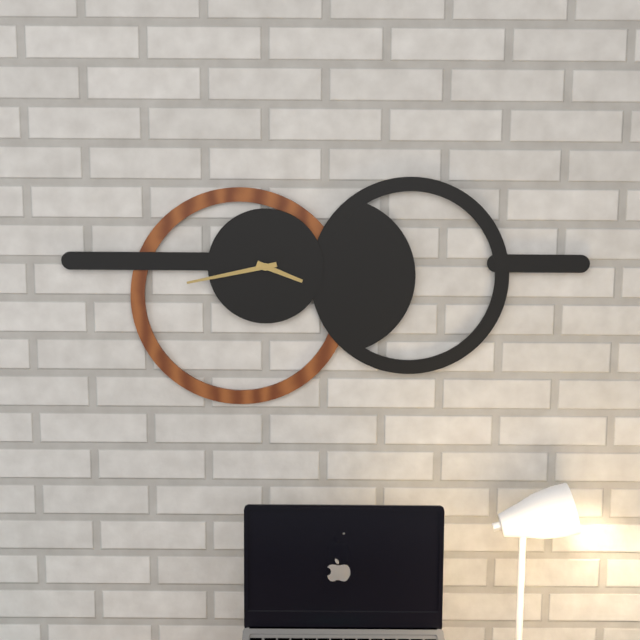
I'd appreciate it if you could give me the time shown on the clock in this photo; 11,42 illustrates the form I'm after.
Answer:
3,43
